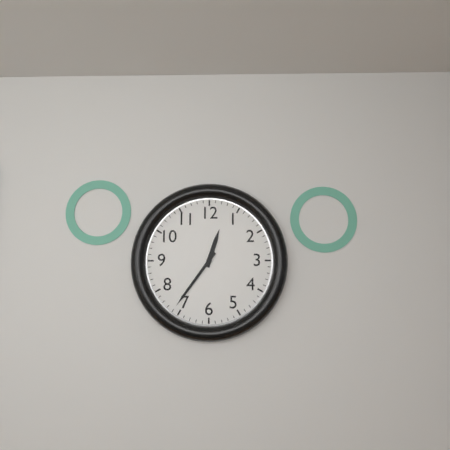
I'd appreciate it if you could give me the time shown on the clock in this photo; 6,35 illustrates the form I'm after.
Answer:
12,36
